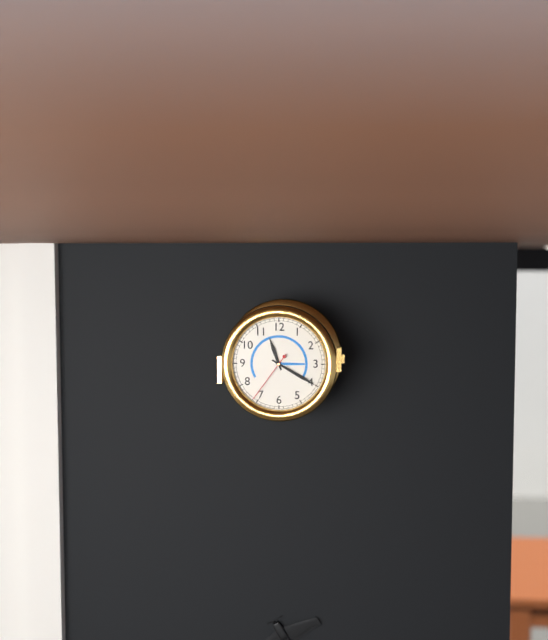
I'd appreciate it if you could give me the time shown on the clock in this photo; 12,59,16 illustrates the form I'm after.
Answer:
11,20,36
